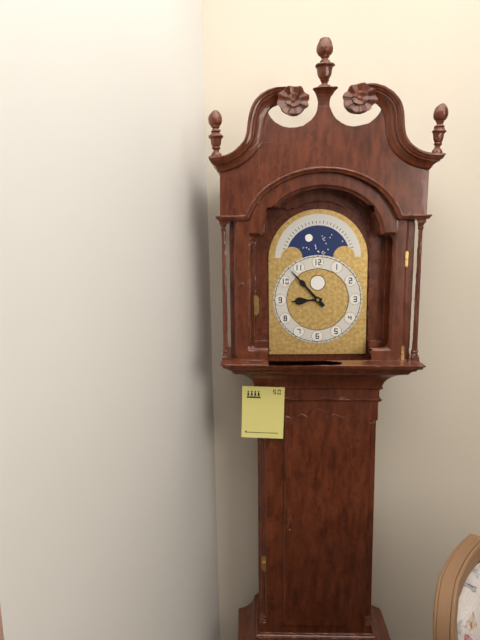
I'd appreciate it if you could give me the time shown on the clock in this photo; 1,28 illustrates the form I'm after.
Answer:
8,53
